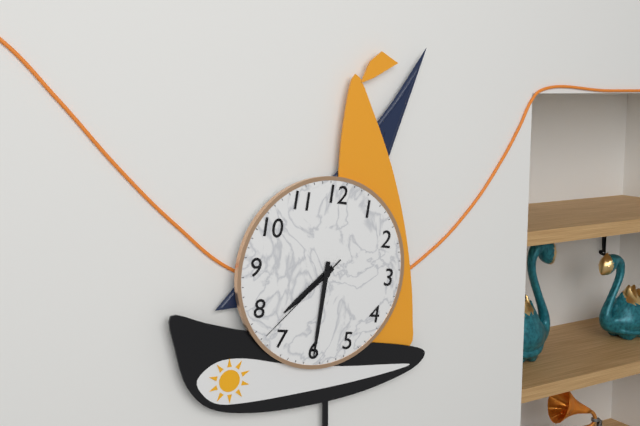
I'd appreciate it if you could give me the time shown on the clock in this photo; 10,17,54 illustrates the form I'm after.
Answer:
7,30,37
